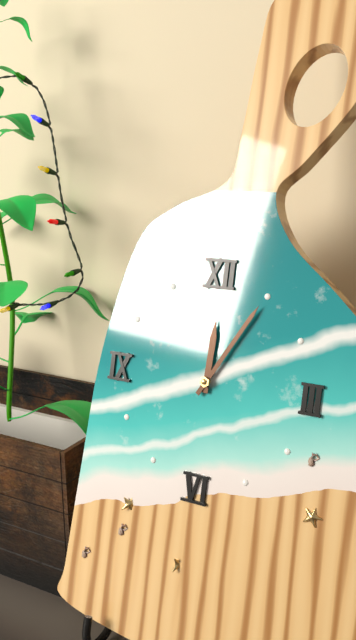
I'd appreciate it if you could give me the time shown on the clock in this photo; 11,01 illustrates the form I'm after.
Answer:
12,05
